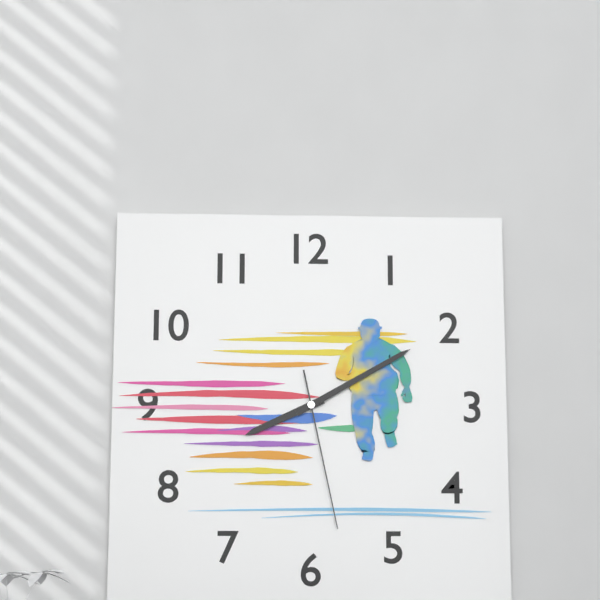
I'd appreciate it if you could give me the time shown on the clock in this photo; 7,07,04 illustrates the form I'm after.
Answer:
8,10,28
